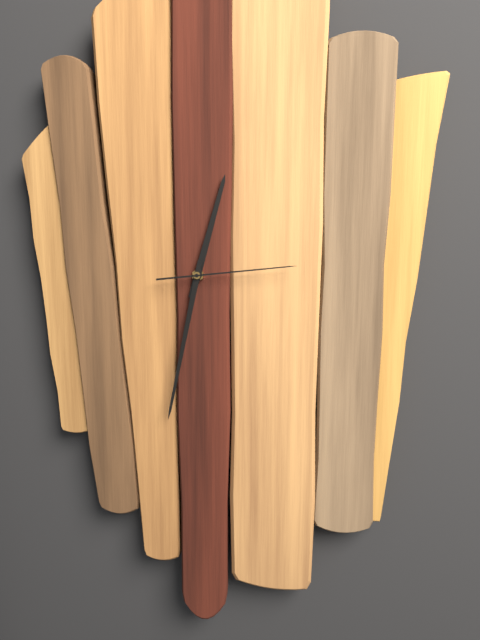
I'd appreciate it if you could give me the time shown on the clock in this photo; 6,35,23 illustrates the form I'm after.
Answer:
12,32,14
